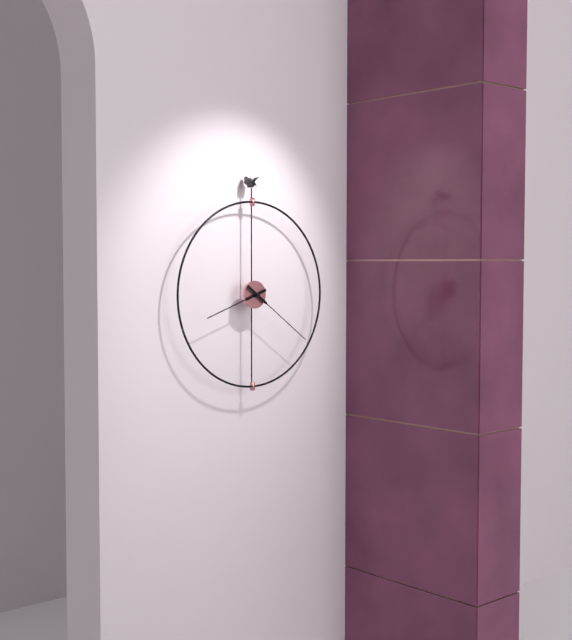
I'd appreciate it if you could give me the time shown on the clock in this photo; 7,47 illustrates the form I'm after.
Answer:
8,21
